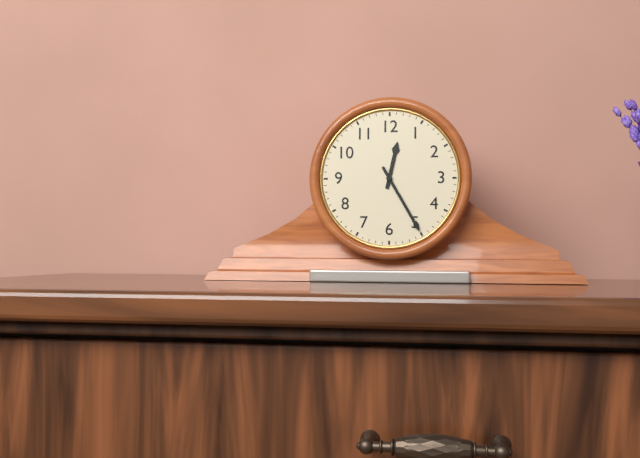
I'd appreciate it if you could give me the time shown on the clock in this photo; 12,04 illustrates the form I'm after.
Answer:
12,25
